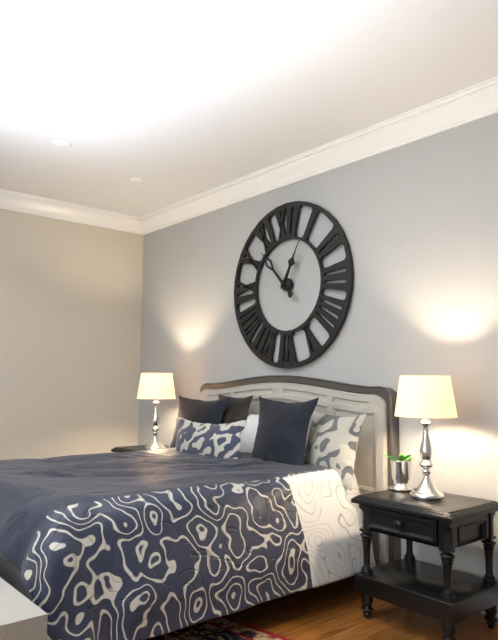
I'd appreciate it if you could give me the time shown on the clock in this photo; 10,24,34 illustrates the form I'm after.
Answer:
12,53,05
